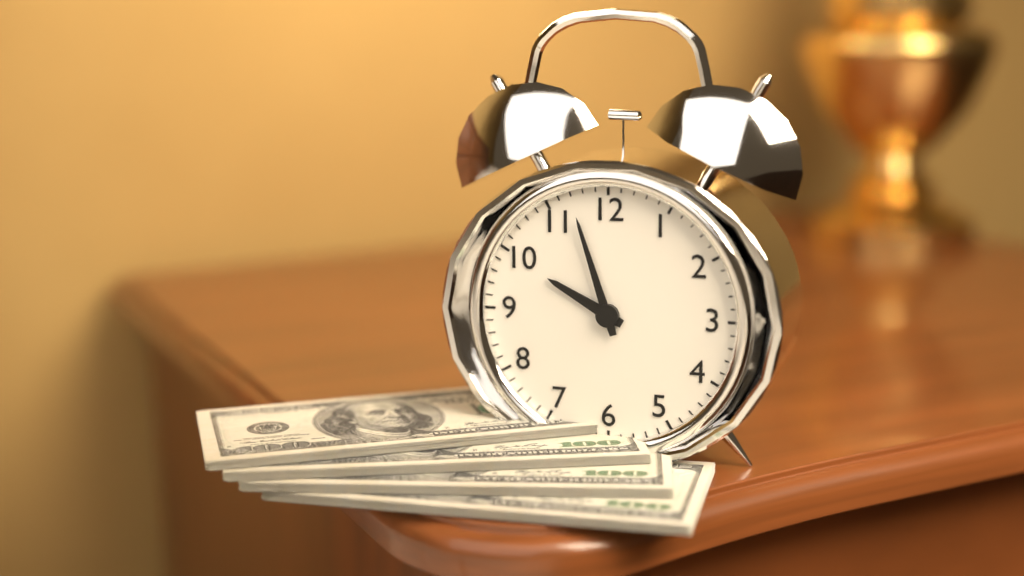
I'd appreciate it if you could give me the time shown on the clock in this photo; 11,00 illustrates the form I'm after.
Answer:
9,57
